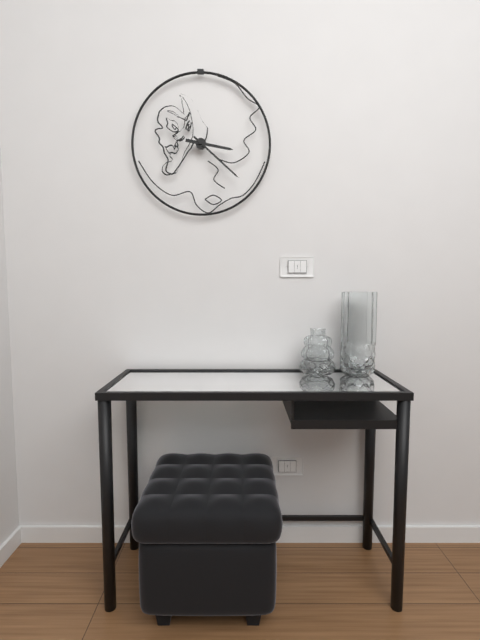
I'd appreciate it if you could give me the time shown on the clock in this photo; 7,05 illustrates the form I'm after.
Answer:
3,22
